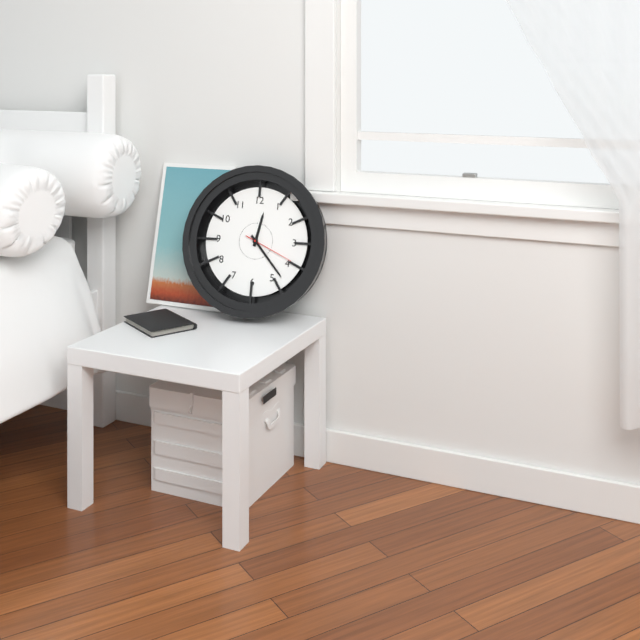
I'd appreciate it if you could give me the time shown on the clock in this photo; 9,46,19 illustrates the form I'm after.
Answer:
12,23,19
